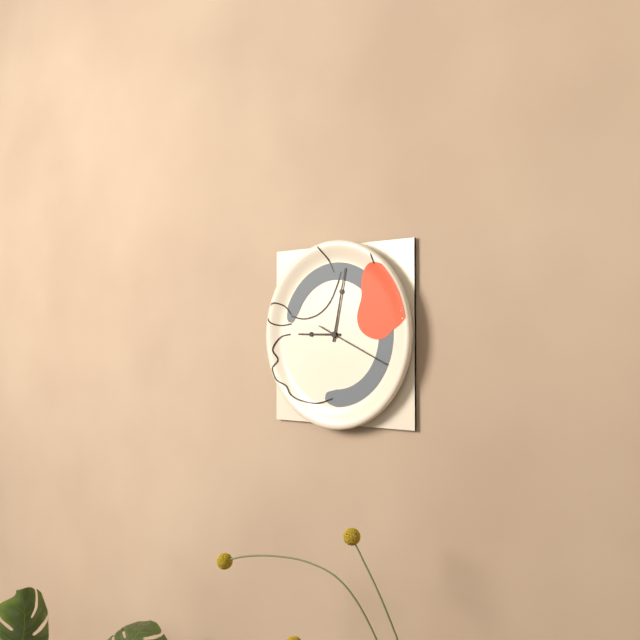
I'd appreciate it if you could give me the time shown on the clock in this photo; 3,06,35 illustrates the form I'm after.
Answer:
9,02,19
